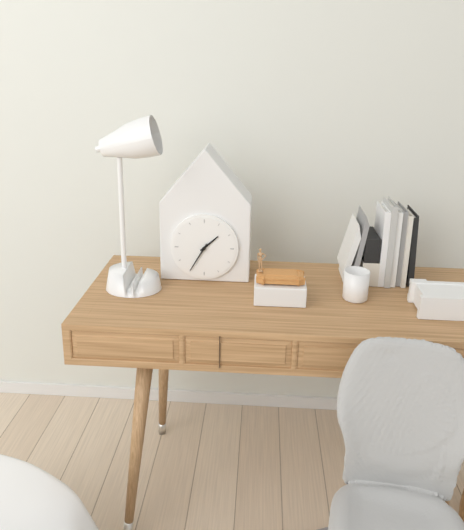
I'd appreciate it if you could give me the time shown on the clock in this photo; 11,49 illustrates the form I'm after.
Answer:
1,35
